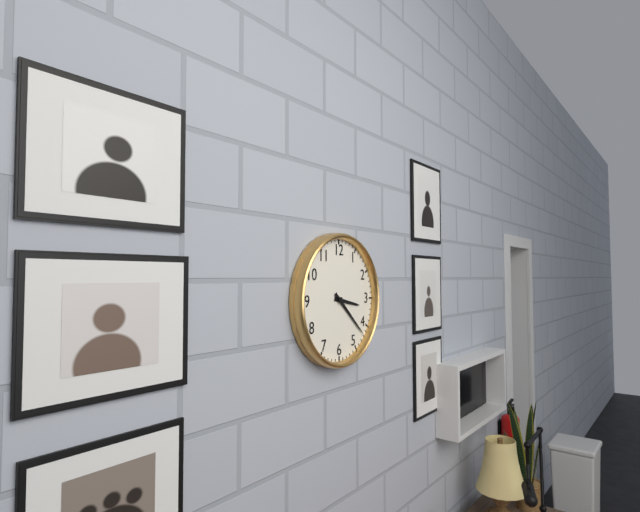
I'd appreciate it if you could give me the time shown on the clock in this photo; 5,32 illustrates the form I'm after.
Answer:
3,22
